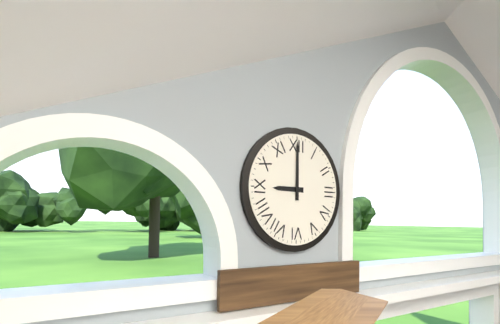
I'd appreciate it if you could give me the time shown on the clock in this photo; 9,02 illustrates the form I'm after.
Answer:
9,00
